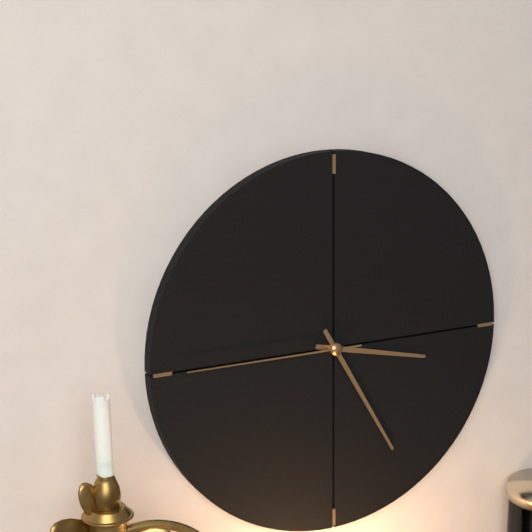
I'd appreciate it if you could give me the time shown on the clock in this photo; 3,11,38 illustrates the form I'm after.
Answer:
3,25,45
